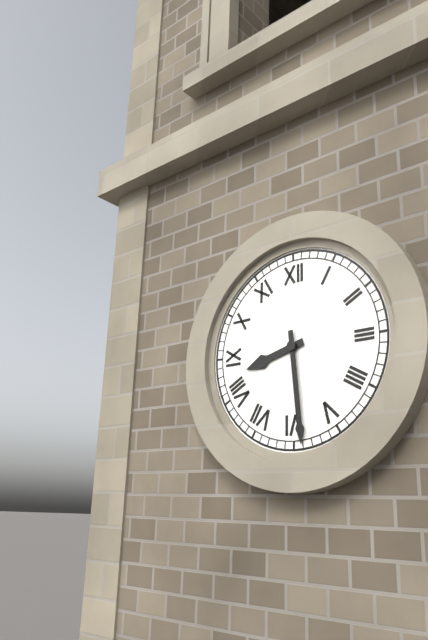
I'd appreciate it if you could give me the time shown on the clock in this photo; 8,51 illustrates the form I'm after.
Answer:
8,29
